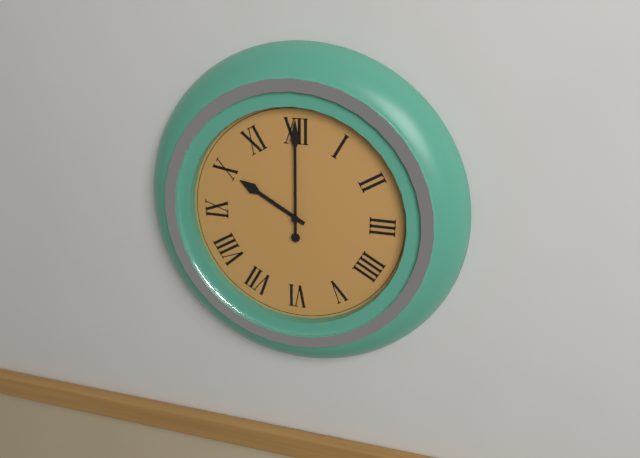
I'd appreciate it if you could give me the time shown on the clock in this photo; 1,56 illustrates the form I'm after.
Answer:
10,00
